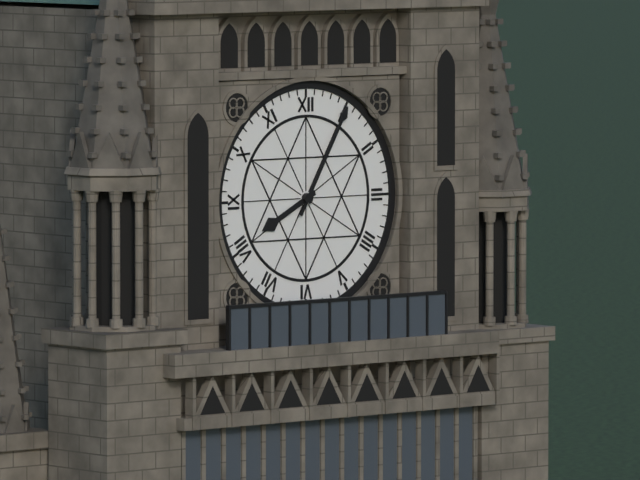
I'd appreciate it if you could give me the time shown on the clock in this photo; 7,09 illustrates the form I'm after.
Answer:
8,05
